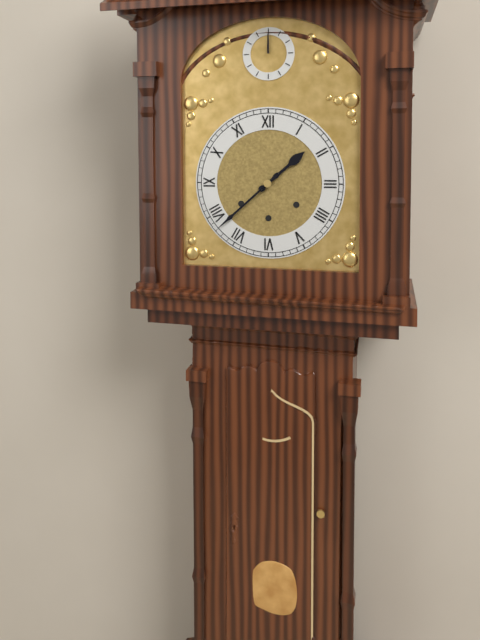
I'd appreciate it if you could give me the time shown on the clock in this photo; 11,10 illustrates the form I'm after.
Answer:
1,38
